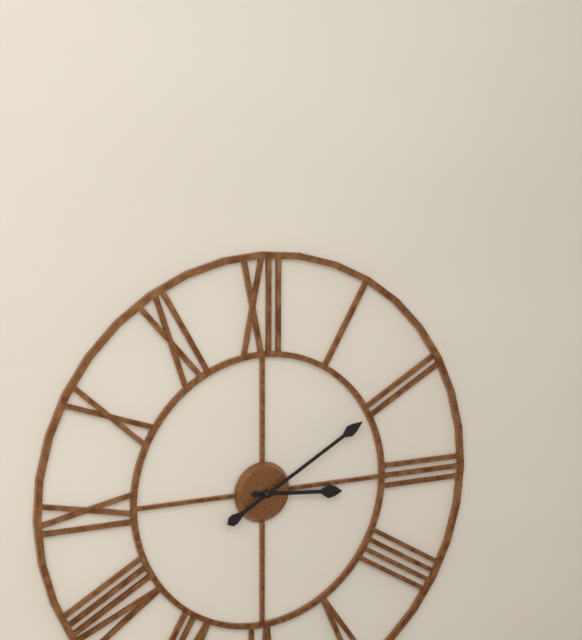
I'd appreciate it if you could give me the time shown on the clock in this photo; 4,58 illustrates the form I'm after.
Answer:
3,10
